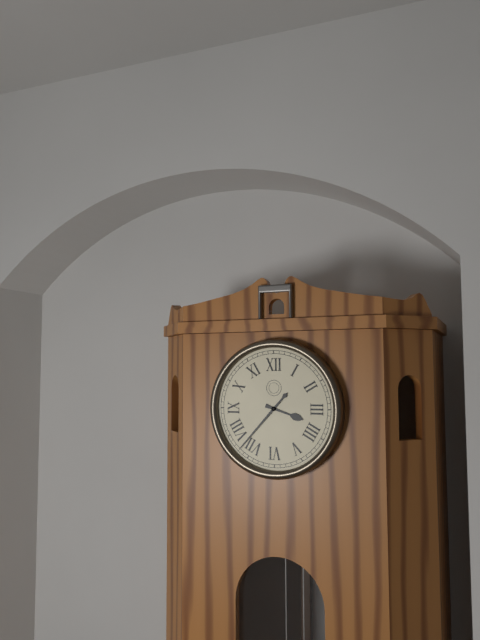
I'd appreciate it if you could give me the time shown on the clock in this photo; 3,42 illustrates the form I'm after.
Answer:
3,37
